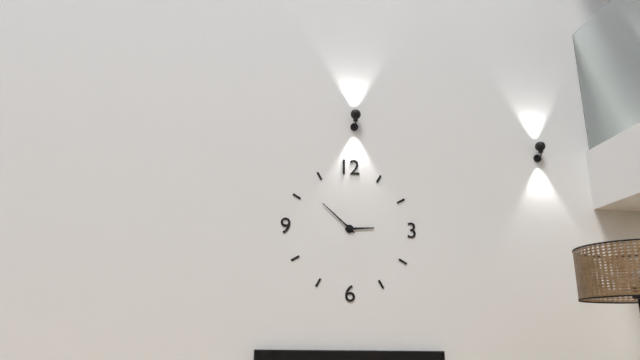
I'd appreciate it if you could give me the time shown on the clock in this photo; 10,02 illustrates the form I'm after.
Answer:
2,52
